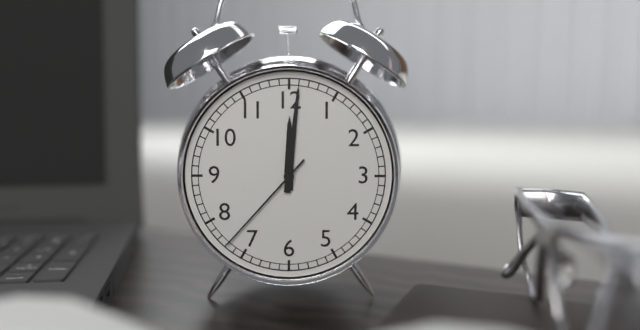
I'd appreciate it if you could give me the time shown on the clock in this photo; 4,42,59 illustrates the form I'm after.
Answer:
12,01,37
